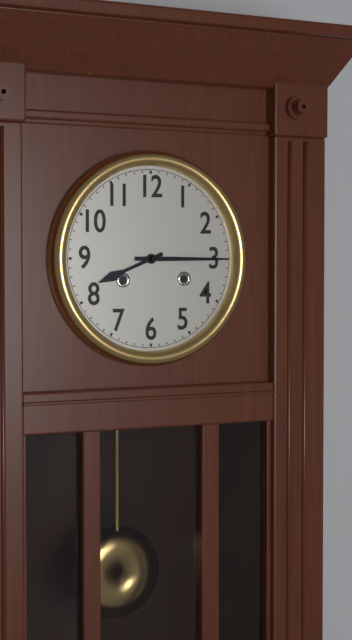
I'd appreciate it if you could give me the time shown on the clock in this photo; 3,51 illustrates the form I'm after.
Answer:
8,15
